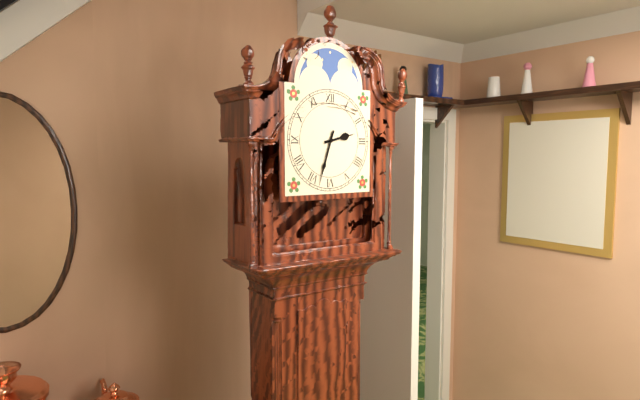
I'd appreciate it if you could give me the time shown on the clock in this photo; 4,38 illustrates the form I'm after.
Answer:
2,33
